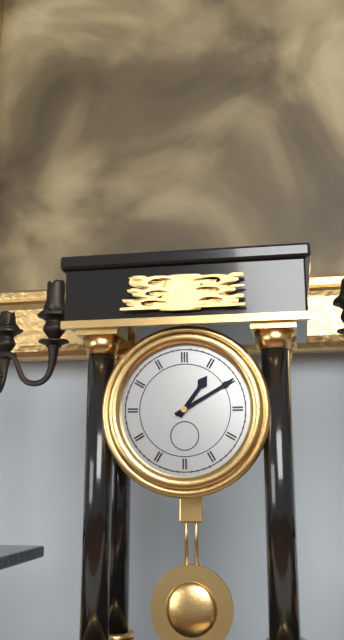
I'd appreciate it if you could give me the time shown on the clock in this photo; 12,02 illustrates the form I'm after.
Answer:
1,10
